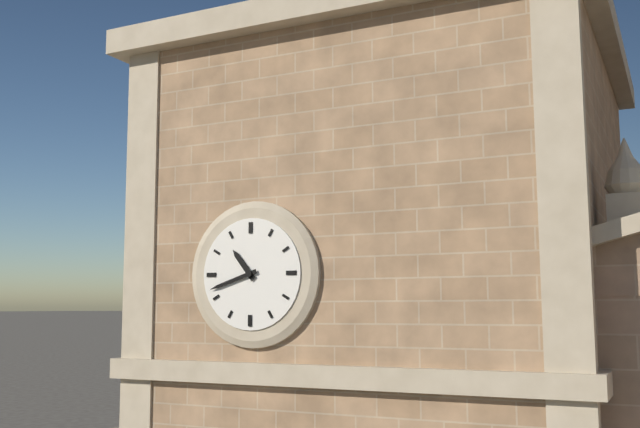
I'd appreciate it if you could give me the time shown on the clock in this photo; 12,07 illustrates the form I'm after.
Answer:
10,42
